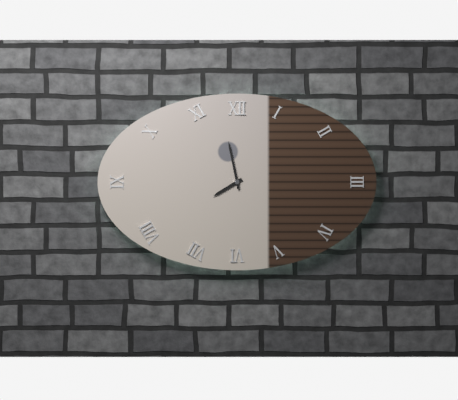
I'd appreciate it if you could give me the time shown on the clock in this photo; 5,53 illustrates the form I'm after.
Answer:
7,58
